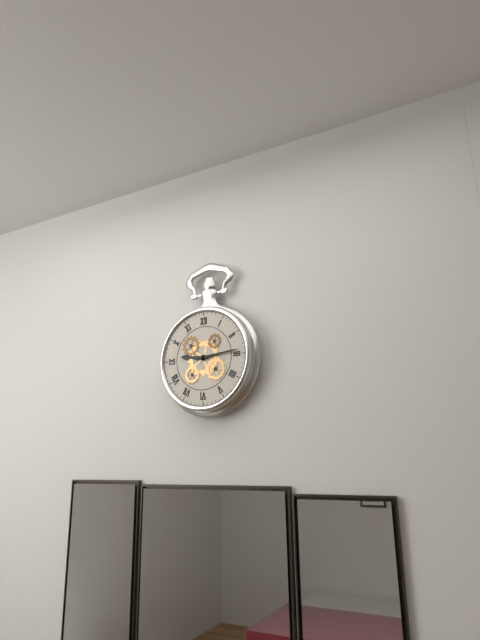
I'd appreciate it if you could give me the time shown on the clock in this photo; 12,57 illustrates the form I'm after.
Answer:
9,14
